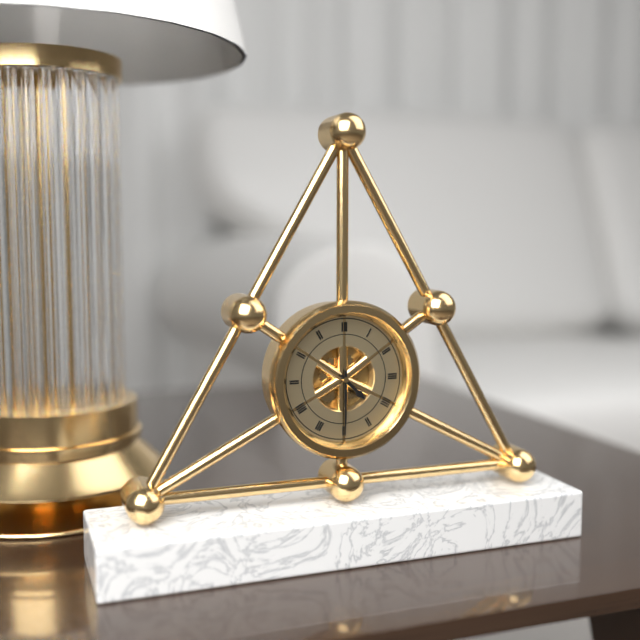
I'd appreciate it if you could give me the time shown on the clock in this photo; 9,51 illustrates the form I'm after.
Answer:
4,30
